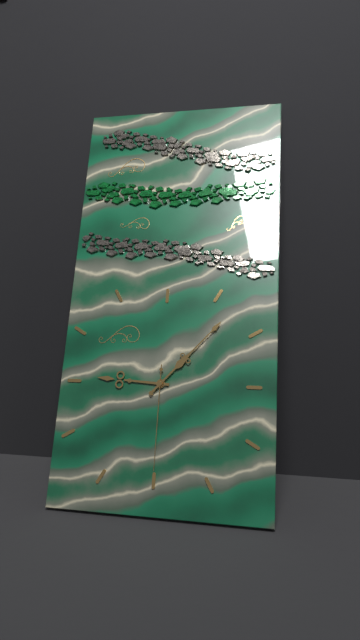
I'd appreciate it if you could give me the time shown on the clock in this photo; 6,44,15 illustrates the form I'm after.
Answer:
9,07,30
